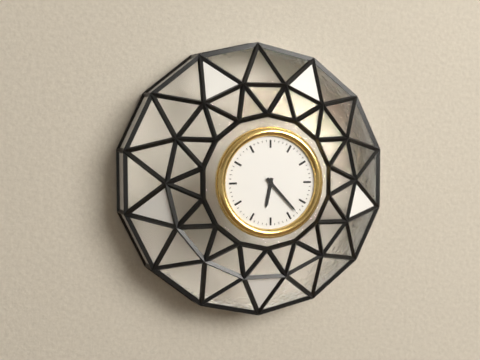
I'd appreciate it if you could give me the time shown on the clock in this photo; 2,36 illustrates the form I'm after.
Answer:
6,23
